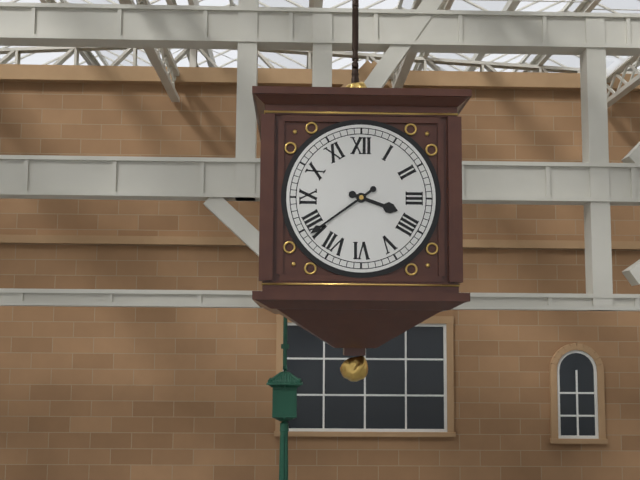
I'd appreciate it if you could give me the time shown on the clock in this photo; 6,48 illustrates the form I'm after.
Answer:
3,39
